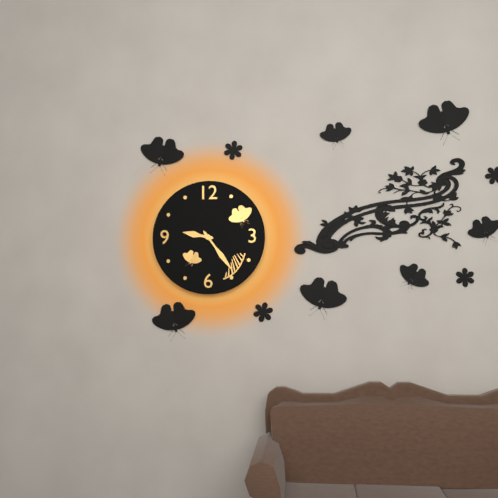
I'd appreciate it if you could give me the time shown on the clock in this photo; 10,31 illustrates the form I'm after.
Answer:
9,24
